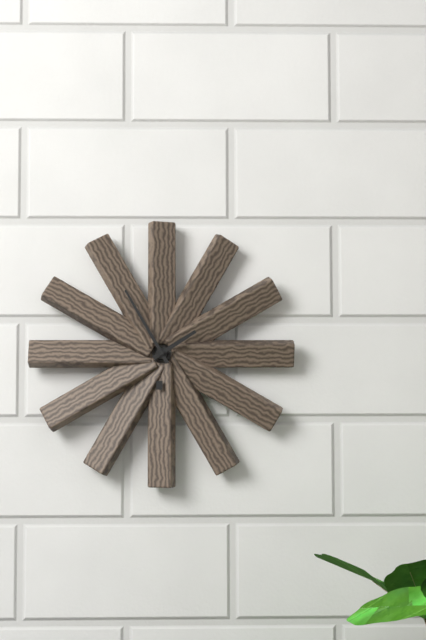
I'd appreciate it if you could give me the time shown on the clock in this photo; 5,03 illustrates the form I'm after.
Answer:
1,55
